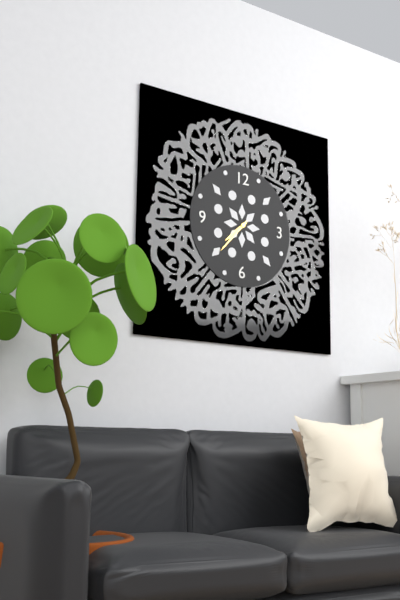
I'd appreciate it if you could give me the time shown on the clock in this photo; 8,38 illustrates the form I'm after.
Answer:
7,37
